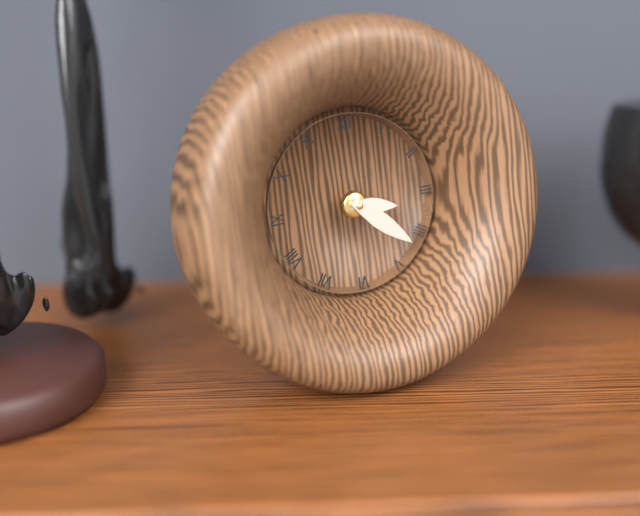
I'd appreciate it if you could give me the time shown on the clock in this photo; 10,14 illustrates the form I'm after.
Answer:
3,22
